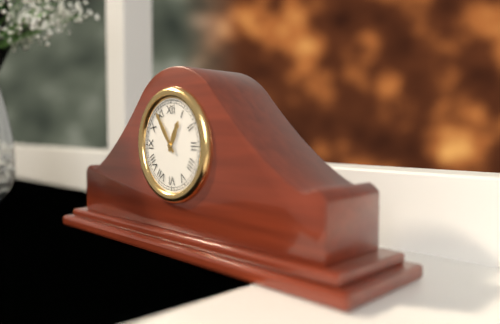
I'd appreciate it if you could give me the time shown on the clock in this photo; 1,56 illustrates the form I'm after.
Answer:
12,54
